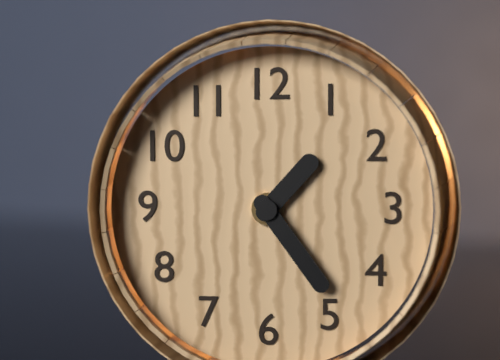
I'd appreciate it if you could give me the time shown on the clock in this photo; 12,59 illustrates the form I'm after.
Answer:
1,24
